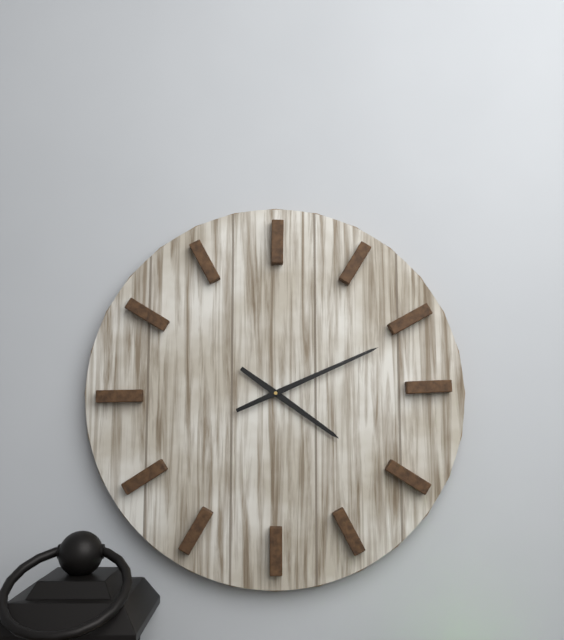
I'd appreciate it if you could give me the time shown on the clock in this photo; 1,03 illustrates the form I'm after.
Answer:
4,11
